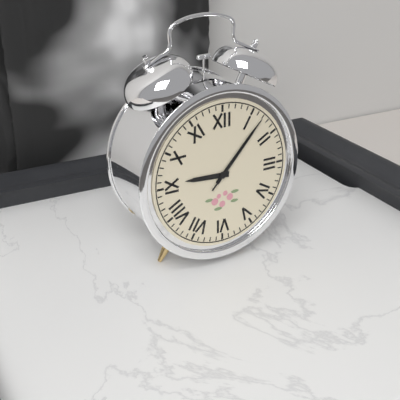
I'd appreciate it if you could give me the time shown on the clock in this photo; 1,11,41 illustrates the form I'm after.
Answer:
9,07,07
